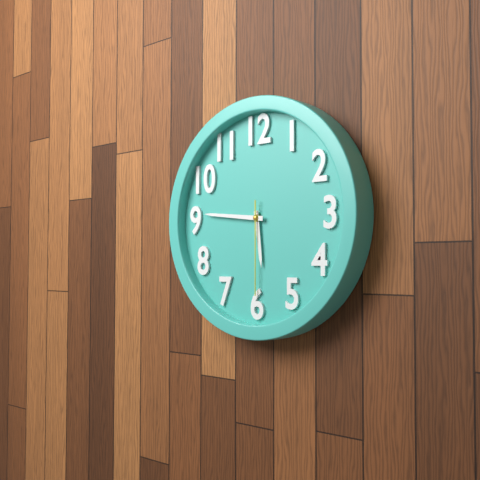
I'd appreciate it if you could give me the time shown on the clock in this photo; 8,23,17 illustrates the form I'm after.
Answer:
5,46,30
